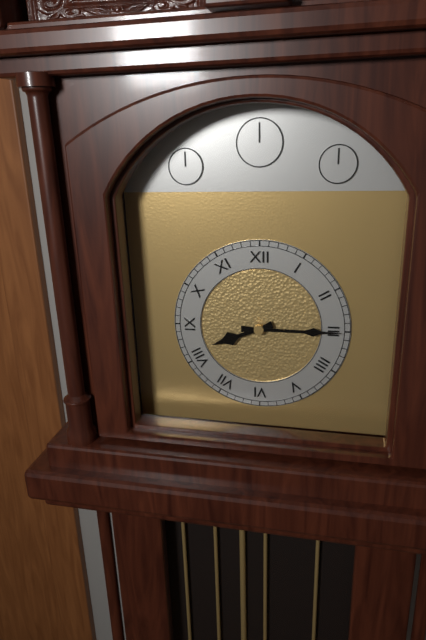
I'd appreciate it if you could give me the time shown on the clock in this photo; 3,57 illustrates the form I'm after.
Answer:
8,15
